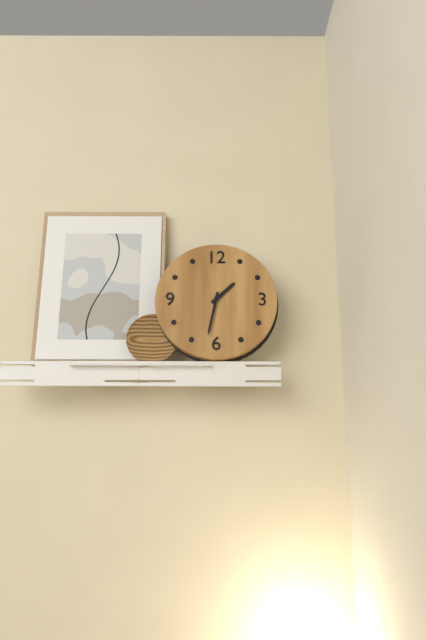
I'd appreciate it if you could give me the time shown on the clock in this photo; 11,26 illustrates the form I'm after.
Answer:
1,32
